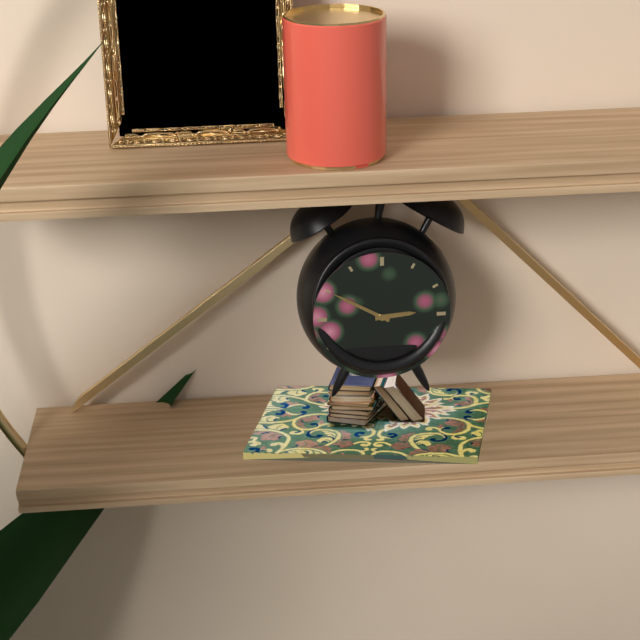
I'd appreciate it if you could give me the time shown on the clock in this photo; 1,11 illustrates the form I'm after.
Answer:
2,50
